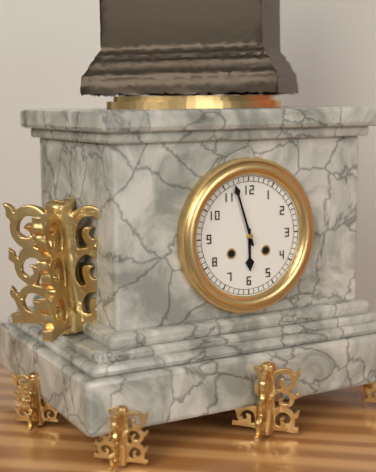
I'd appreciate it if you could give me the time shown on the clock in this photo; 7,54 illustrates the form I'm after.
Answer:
5,57
